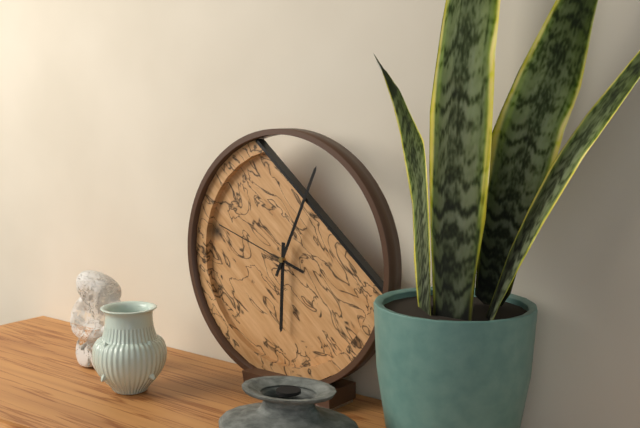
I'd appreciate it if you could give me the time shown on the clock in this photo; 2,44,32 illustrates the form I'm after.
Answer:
6,04,48
